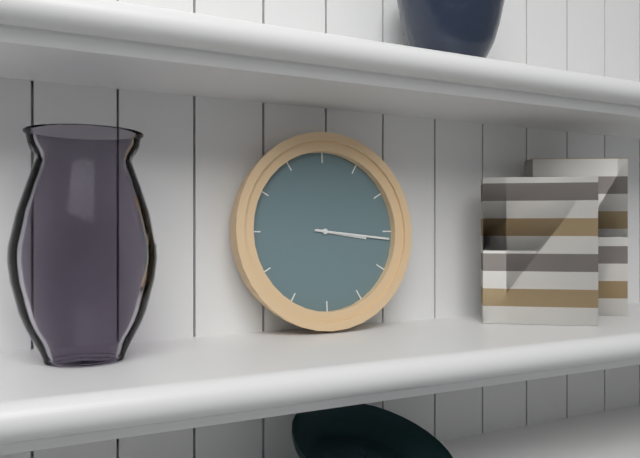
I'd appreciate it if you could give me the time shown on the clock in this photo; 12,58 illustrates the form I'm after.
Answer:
3,16
